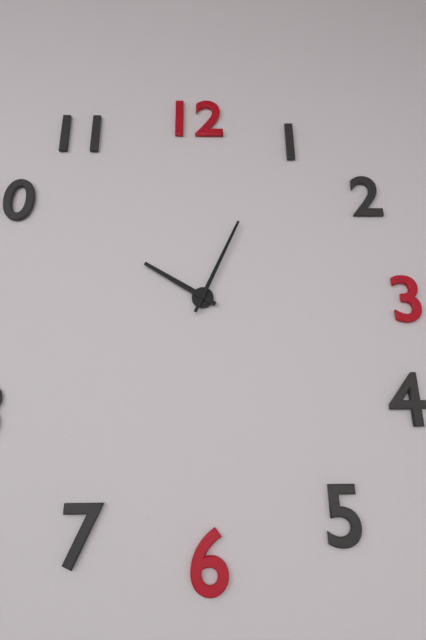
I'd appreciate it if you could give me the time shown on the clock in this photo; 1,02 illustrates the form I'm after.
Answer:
10,04
